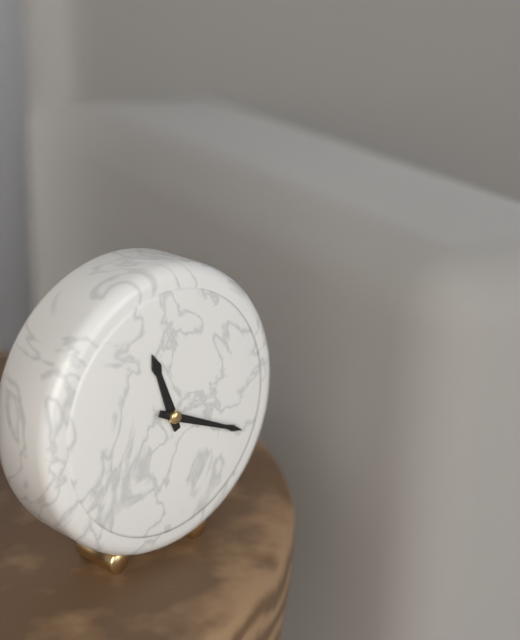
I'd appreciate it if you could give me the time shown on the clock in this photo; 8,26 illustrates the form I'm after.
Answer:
11,19
